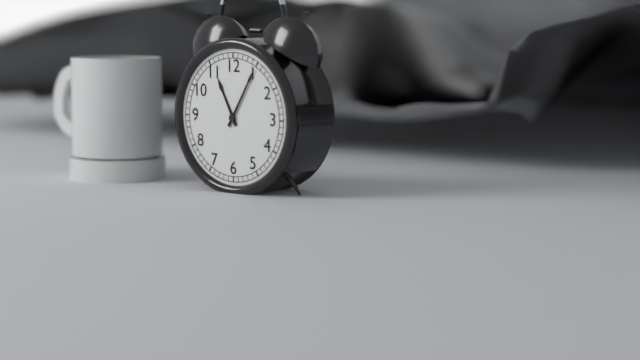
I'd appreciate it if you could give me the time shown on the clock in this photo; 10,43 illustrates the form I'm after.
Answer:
11,05
